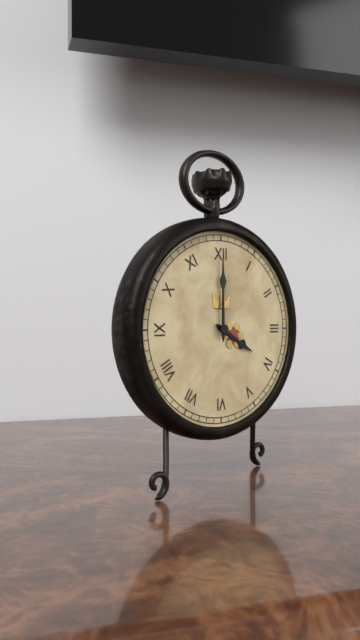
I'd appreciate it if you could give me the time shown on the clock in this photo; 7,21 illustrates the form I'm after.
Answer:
4,00
